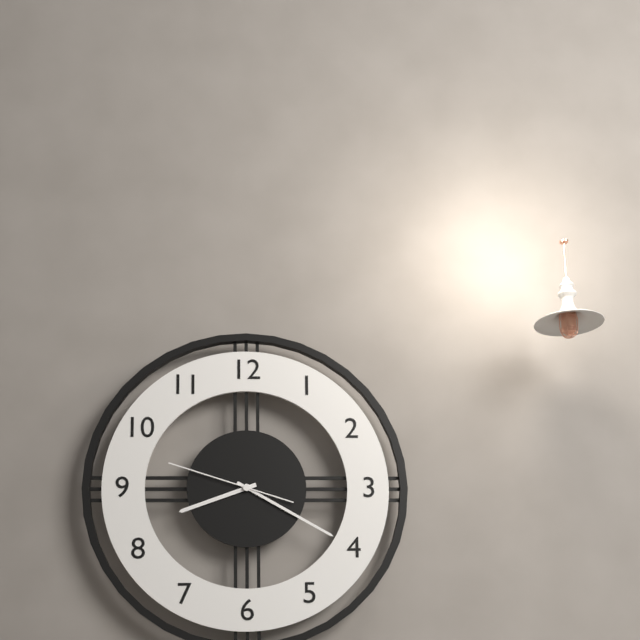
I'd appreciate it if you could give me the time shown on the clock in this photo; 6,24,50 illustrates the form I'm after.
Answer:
8,20,48
